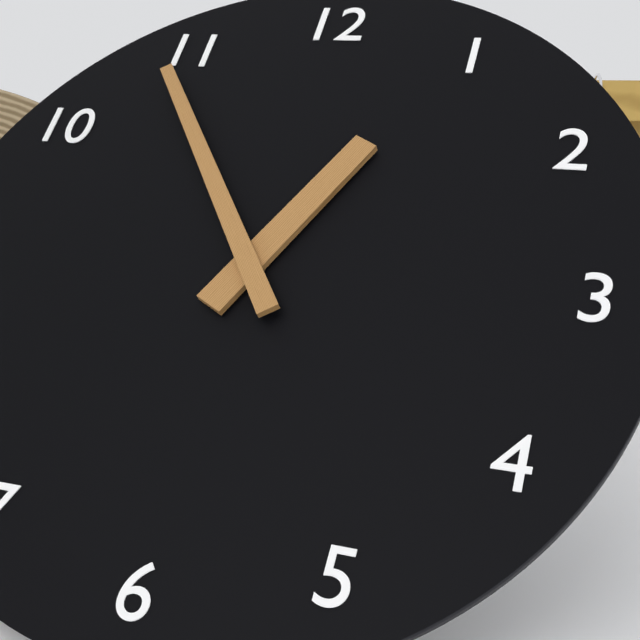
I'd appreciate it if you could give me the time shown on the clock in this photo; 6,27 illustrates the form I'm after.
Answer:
12,54
